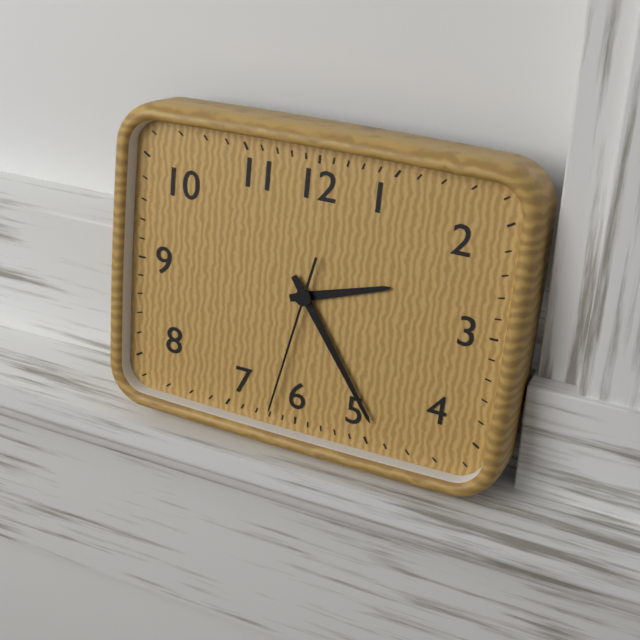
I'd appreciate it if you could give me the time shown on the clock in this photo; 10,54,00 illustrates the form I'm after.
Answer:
2,24,32
